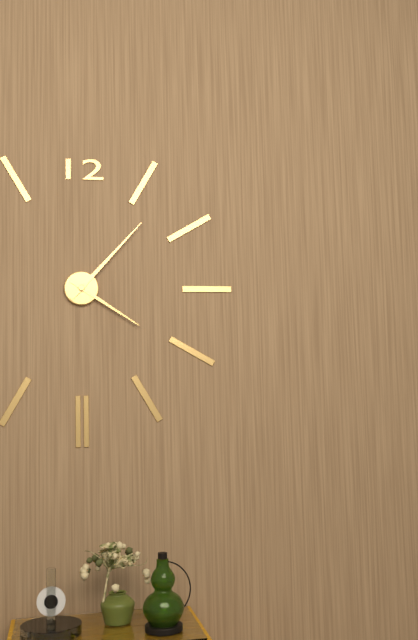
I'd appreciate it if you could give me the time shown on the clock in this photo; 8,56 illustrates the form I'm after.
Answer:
4,07
